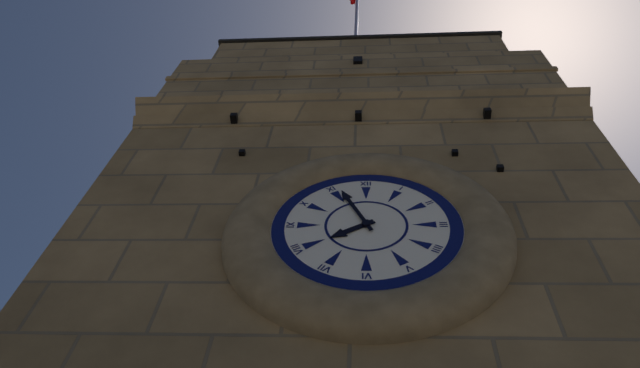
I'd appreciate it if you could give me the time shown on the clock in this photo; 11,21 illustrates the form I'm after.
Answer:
7,56
